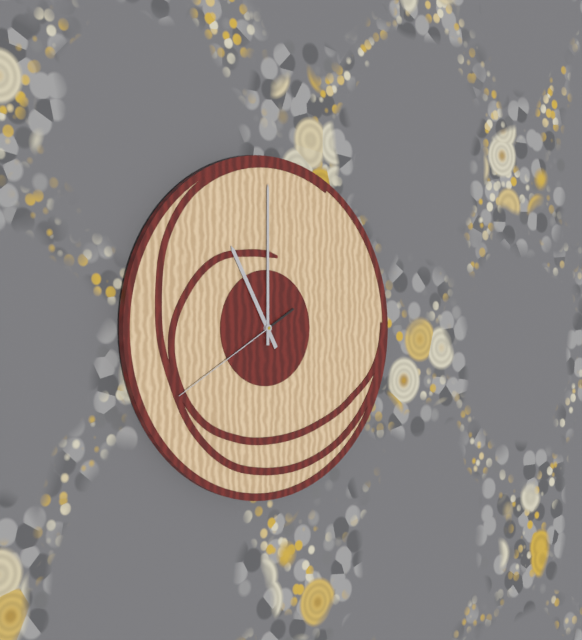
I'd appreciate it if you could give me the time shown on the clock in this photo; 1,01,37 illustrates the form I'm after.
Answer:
11,00,40
